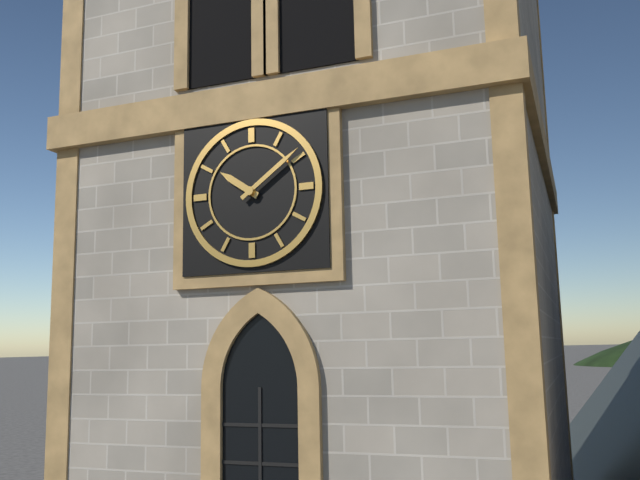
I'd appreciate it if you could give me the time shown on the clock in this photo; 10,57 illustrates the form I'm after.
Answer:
10,09
